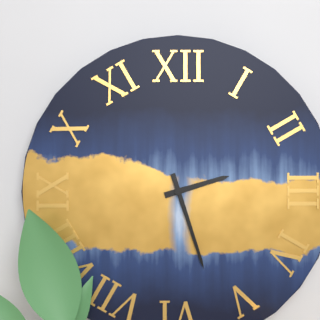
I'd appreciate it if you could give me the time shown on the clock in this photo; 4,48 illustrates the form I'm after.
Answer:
2,27
